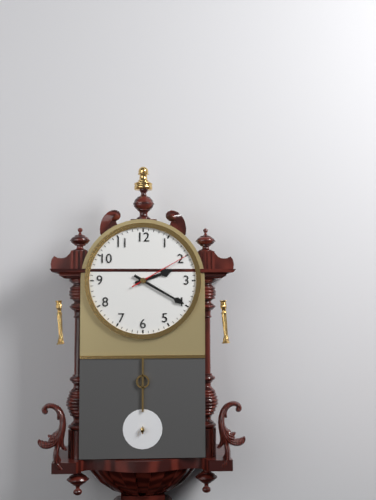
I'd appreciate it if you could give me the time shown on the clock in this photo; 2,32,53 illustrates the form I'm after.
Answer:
2,20,10
